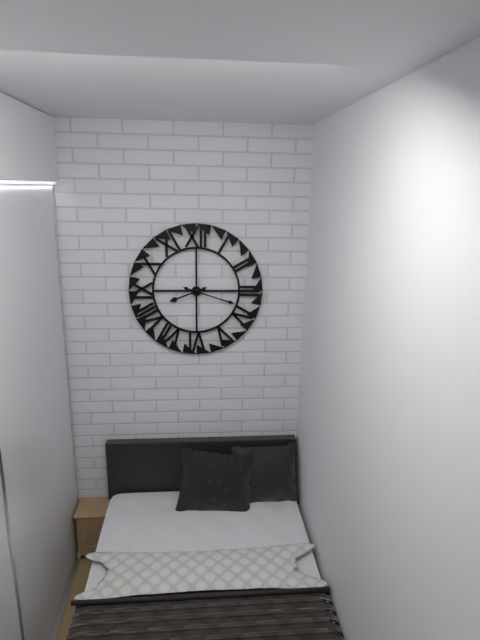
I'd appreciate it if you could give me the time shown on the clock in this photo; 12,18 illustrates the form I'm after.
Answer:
8,18
